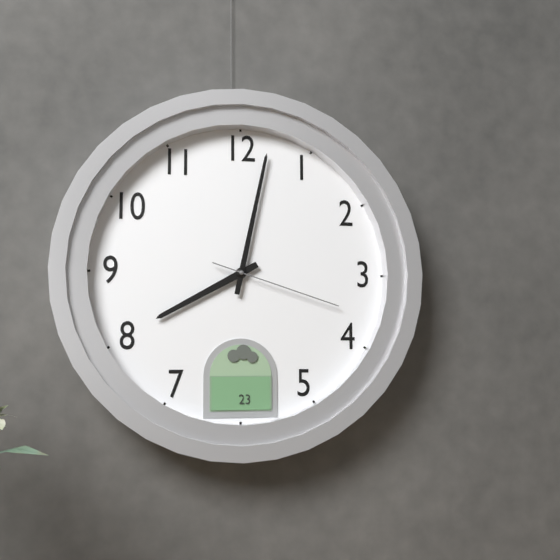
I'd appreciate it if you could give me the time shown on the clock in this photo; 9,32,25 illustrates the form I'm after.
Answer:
8,02,18
